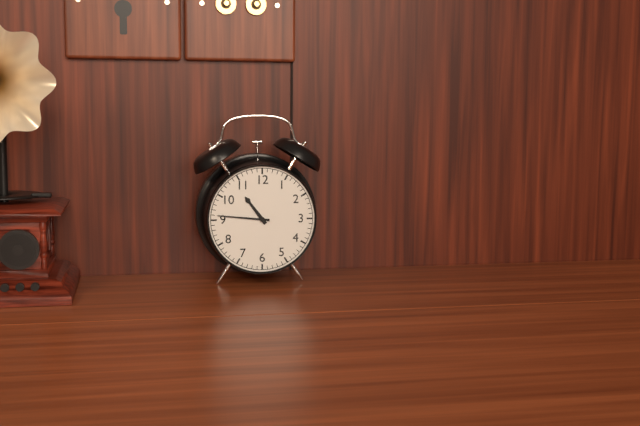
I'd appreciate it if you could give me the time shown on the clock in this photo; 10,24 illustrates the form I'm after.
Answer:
10,46
